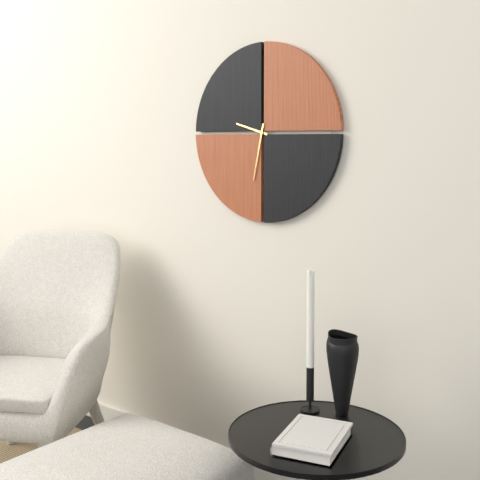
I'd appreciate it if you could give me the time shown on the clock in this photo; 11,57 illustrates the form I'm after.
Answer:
9,32
